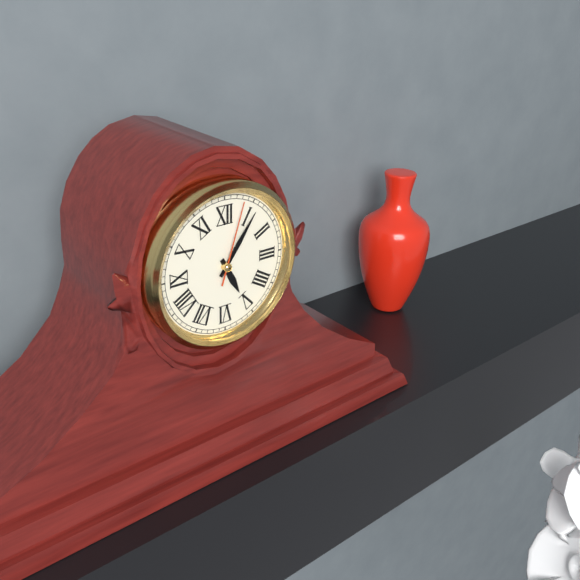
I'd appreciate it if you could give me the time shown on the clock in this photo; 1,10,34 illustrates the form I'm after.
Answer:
5,06,03
